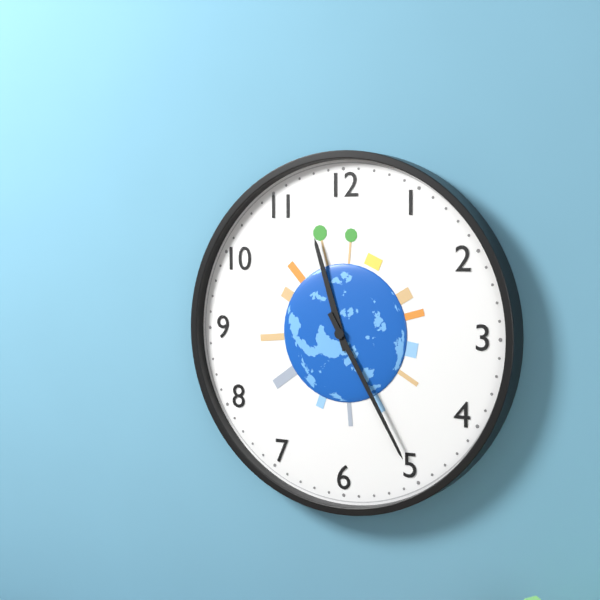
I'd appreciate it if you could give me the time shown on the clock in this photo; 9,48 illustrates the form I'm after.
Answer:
11,25
